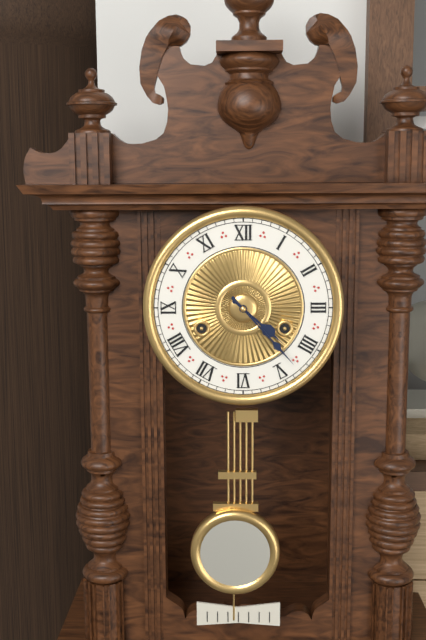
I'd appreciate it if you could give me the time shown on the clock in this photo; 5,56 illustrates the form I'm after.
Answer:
4,23
